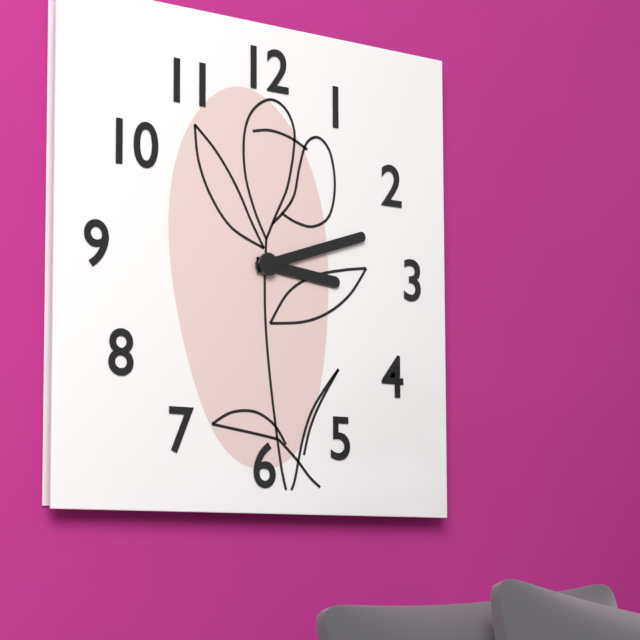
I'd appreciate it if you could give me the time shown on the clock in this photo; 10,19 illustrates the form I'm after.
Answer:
3,12
